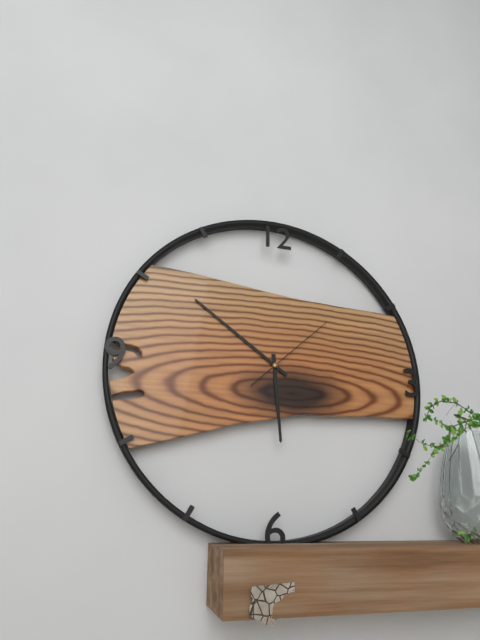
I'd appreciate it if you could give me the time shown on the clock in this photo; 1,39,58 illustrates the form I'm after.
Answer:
5,51,08
